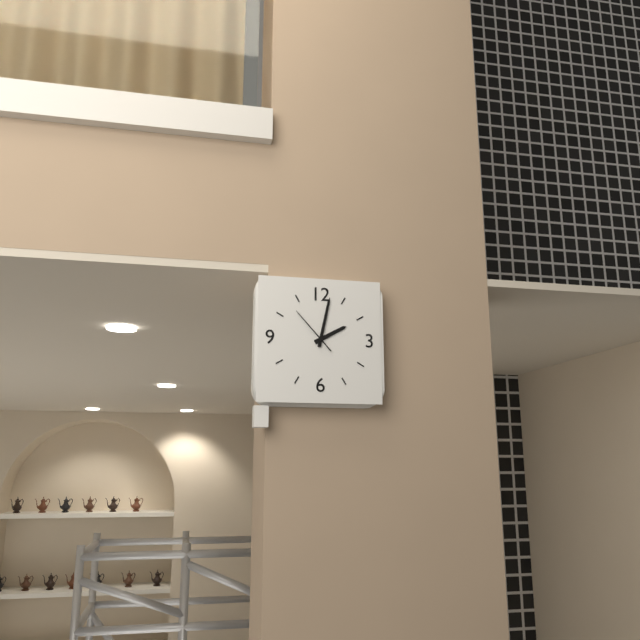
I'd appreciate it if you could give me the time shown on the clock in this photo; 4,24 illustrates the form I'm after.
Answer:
2,02
